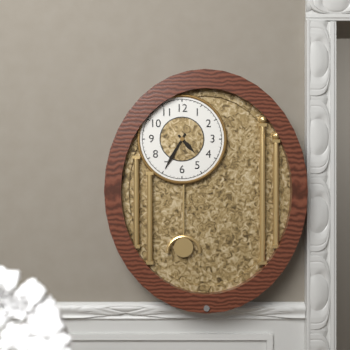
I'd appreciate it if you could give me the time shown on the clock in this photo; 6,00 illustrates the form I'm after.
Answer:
4,35
